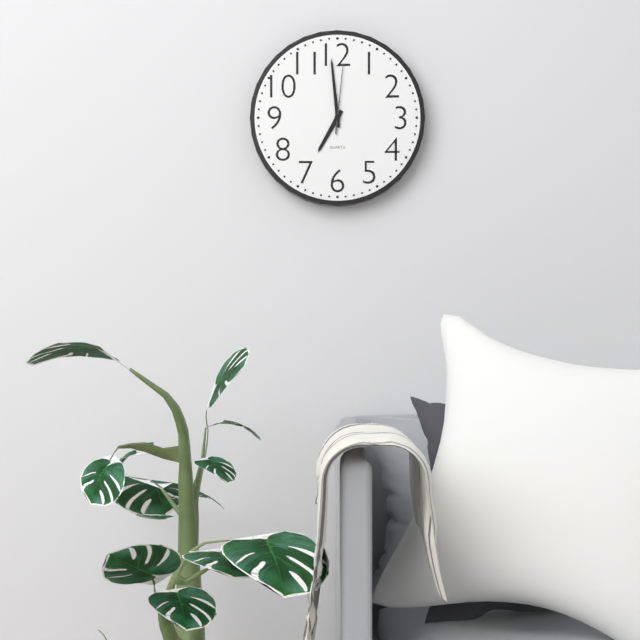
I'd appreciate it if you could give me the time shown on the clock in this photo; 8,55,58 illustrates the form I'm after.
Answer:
6,59,01
